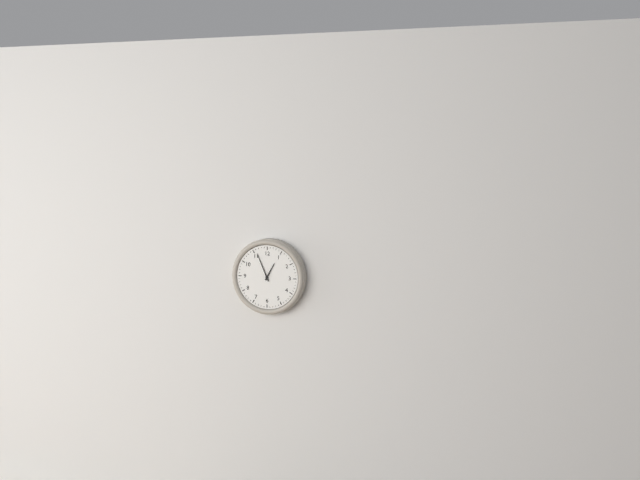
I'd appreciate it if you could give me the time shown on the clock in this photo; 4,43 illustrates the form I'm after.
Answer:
12,56
